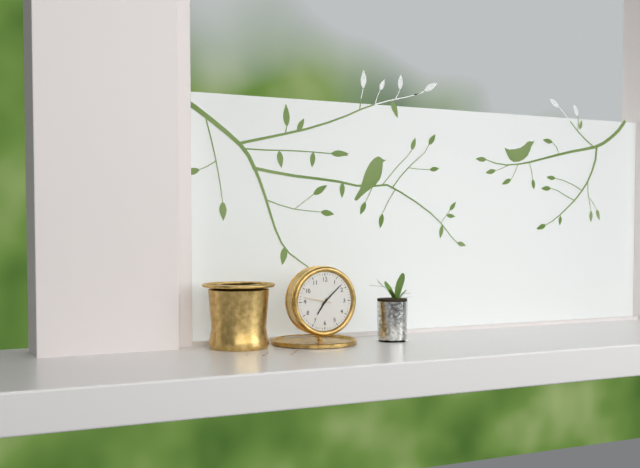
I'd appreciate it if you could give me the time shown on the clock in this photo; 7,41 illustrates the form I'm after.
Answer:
7,08
